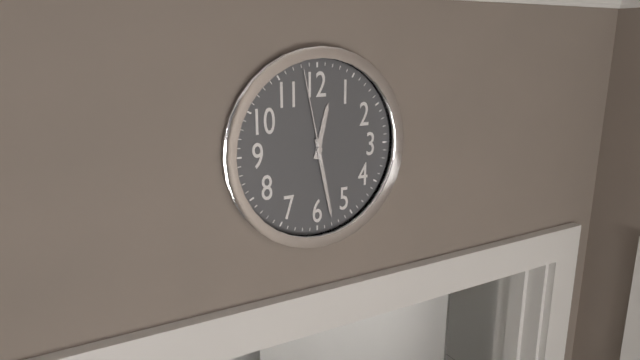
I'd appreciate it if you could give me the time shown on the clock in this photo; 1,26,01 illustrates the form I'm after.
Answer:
12,28,58
